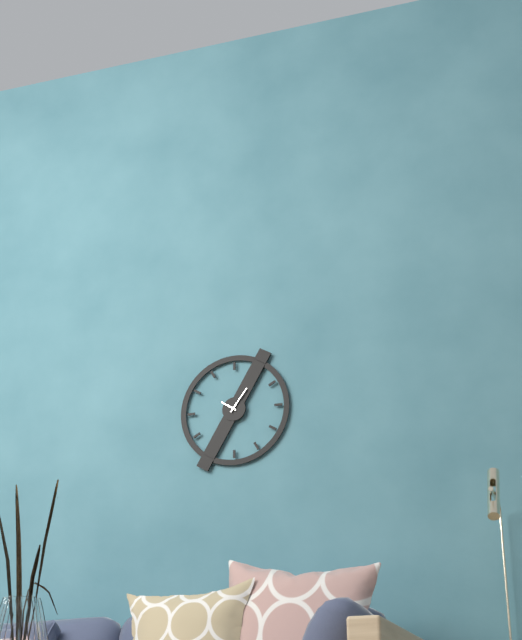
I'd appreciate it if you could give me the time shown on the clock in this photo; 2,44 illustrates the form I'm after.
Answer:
10,06
